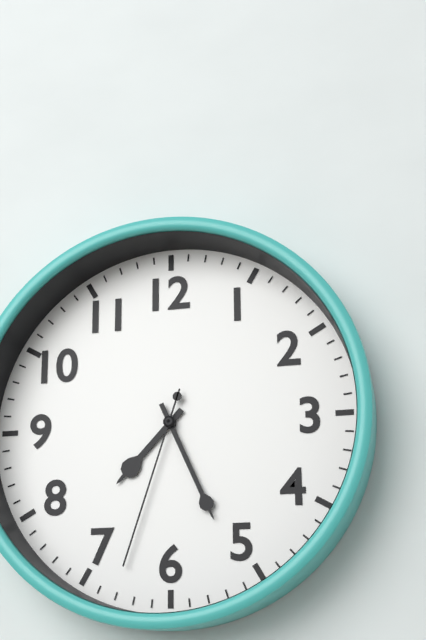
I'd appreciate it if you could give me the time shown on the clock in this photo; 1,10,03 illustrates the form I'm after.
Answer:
7,26,33
